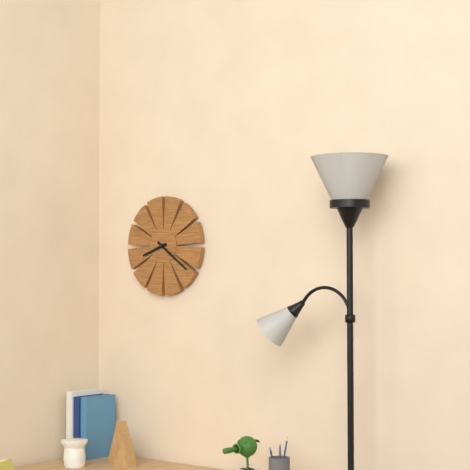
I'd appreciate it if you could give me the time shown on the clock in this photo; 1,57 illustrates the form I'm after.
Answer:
8,21
